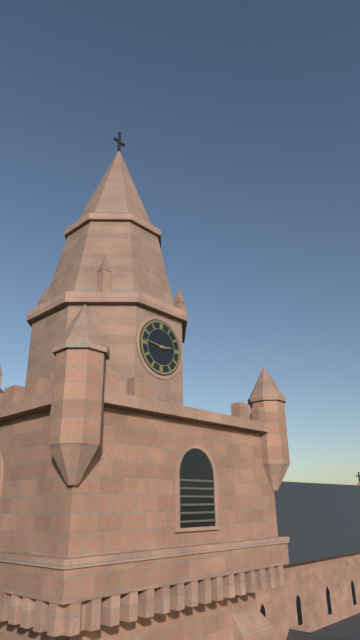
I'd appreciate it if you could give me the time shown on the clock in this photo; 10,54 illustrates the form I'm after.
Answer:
2,46
